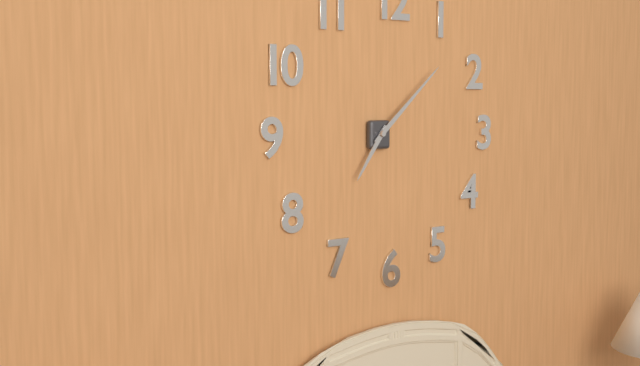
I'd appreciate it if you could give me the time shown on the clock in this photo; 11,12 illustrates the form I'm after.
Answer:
7,08
